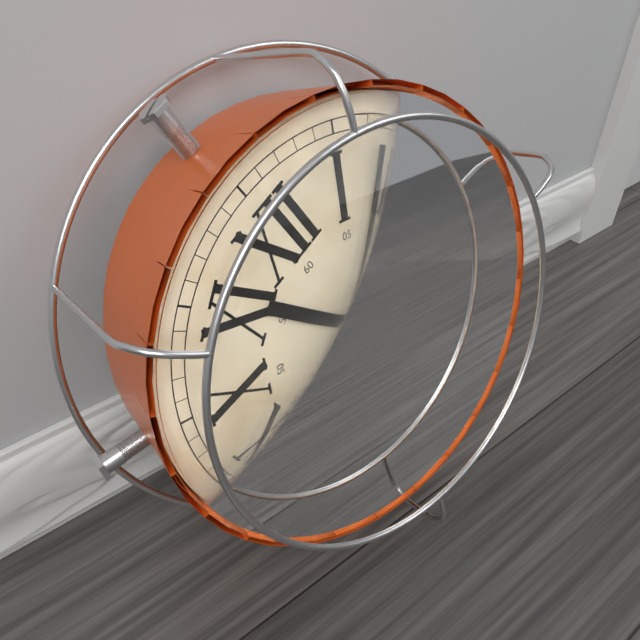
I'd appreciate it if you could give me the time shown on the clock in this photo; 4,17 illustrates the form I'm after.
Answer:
11,08
